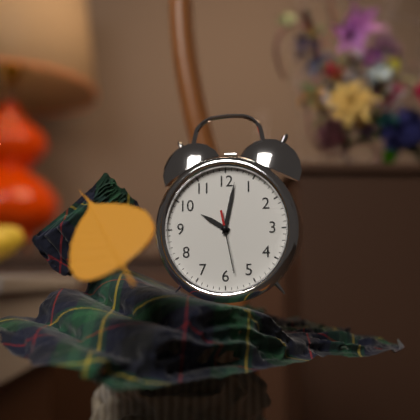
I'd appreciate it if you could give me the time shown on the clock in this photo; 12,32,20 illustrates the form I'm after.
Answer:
10,02,28
